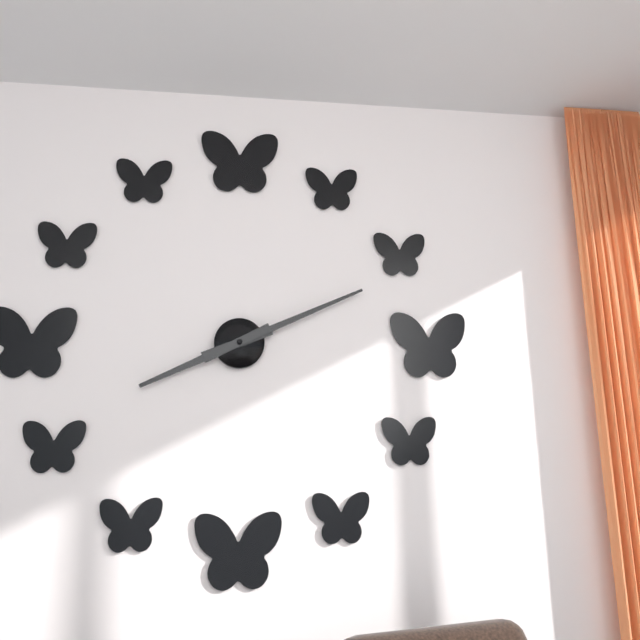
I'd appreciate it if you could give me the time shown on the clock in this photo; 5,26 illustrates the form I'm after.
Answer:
8,11
